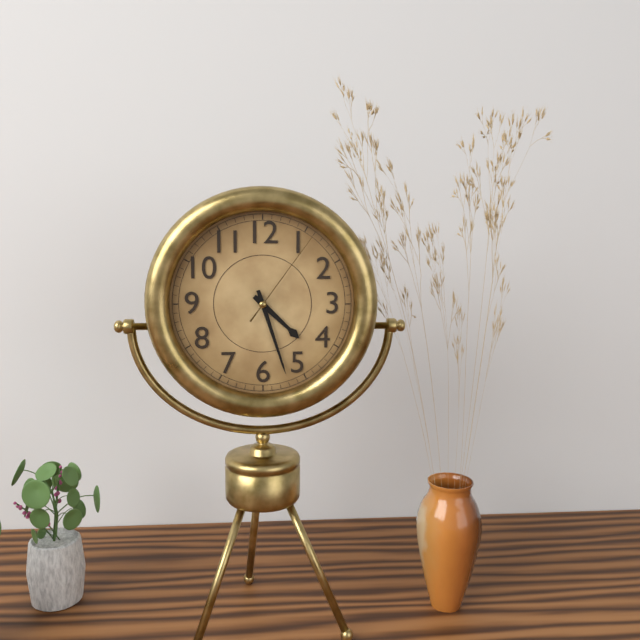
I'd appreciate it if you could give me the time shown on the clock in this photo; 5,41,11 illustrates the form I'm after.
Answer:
4,27,06
